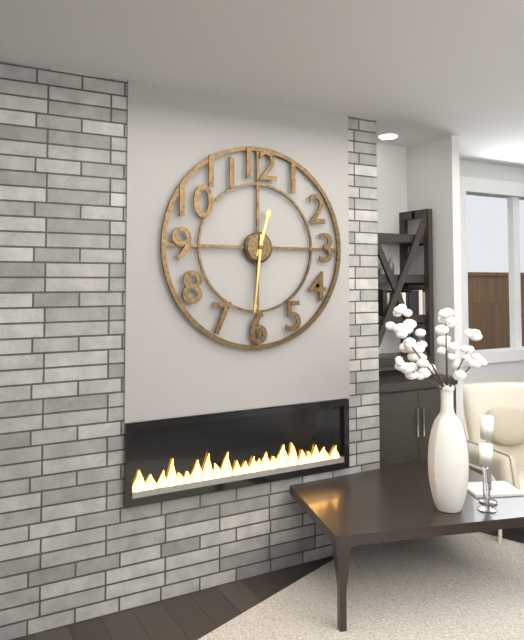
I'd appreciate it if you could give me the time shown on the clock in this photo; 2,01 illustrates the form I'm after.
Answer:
12,31
